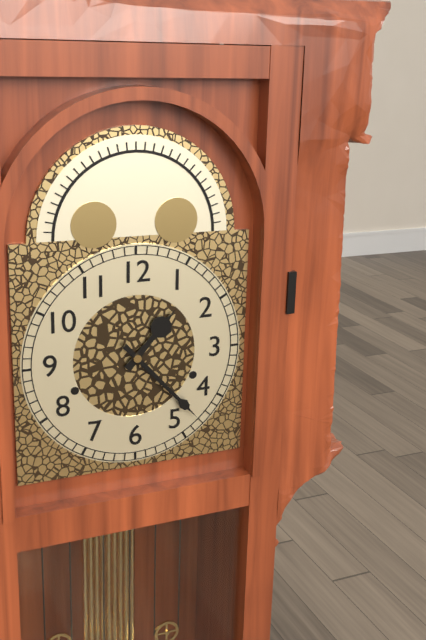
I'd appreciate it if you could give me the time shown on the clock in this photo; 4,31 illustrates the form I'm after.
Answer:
1,23
